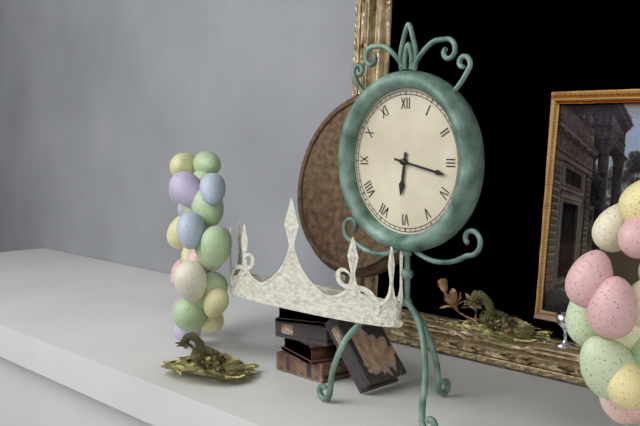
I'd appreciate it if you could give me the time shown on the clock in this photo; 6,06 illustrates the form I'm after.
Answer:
6,17
